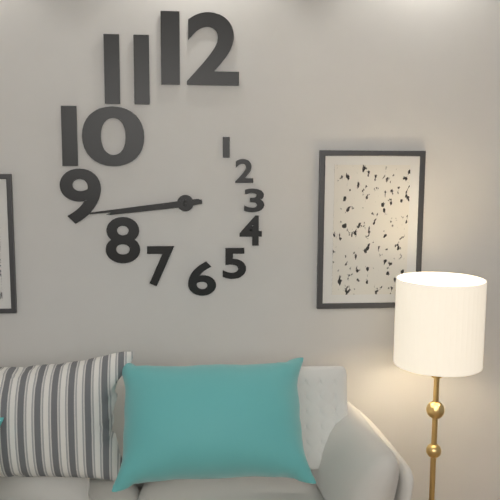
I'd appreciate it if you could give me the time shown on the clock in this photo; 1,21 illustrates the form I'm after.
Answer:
8,44
